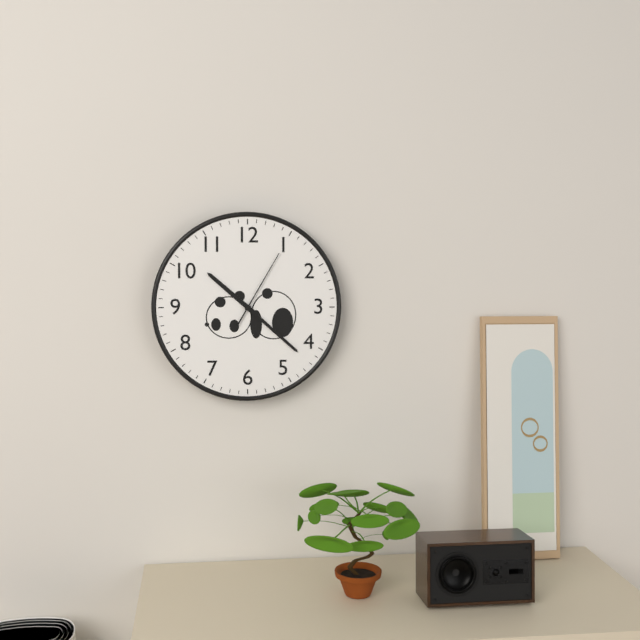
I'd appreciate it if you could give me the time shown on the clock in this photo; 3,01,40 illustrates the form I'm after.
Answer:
10,22,05
